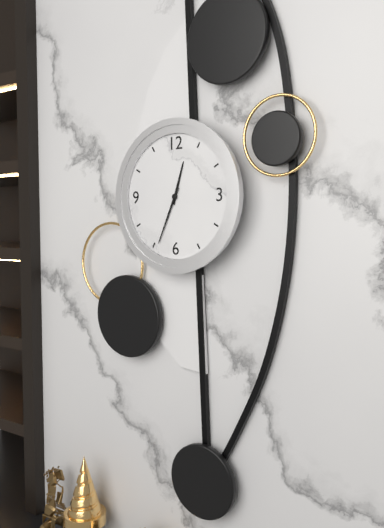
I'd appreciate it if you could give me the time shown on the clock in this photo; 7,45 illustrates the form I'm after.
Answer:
12,34
